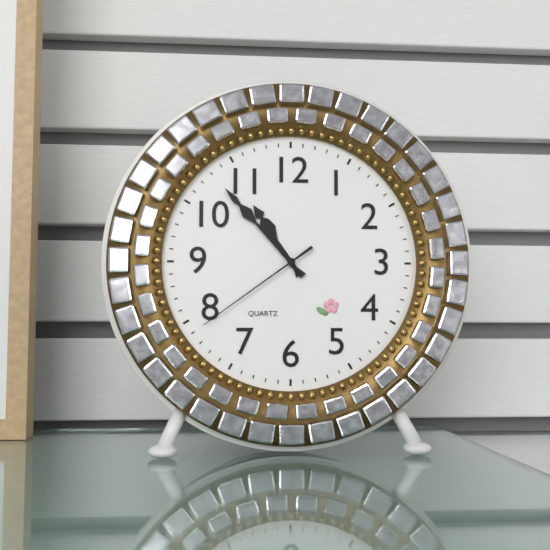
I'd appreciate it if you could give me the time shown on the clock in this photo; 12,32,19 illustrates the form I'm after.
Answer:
10,53,39
